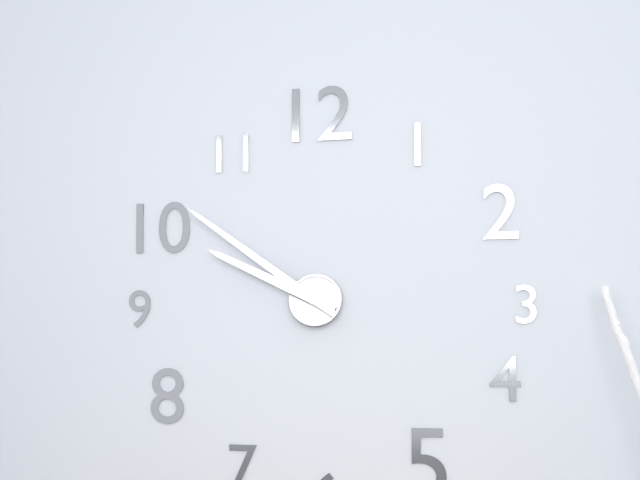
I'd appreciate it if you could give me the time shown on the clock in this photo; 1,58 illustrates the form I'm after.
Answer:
9,51
